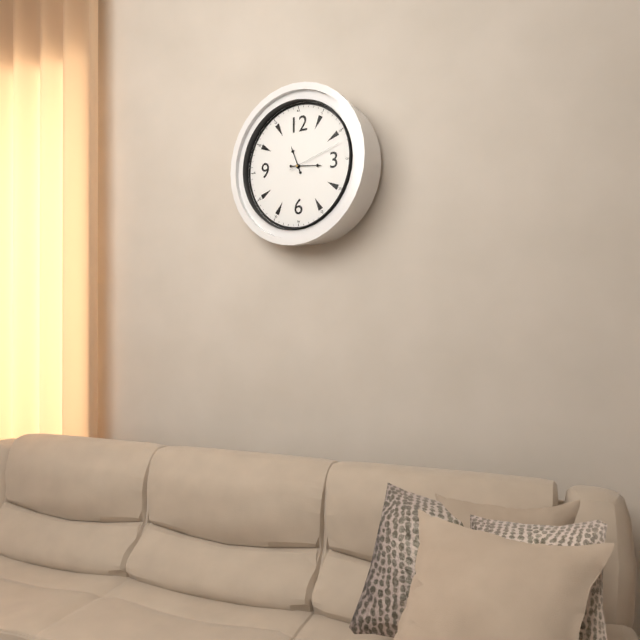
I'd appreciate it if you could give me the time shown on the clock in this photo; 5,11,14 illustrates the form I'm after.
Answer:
11,16,12
